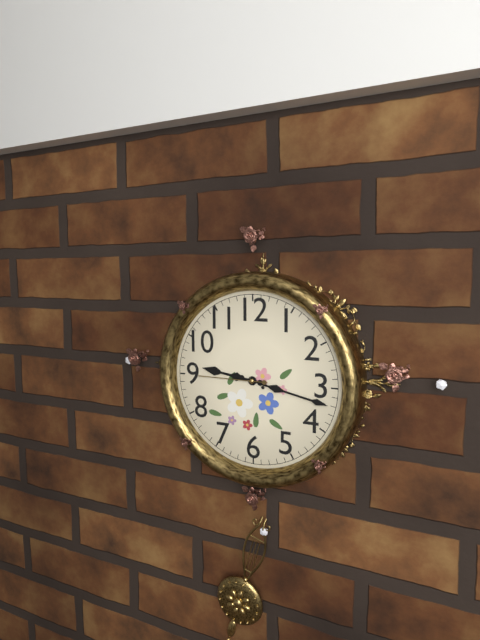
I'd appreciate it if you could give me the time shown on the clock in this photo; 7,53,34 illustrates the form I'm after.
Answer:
9,17,45
